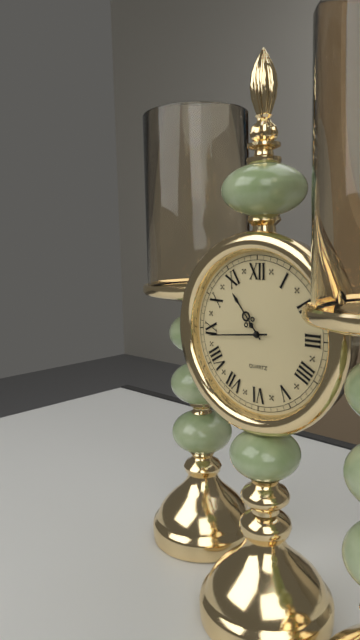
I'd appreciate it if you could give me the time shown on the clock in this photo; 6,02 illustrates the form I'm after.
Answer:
10,44
